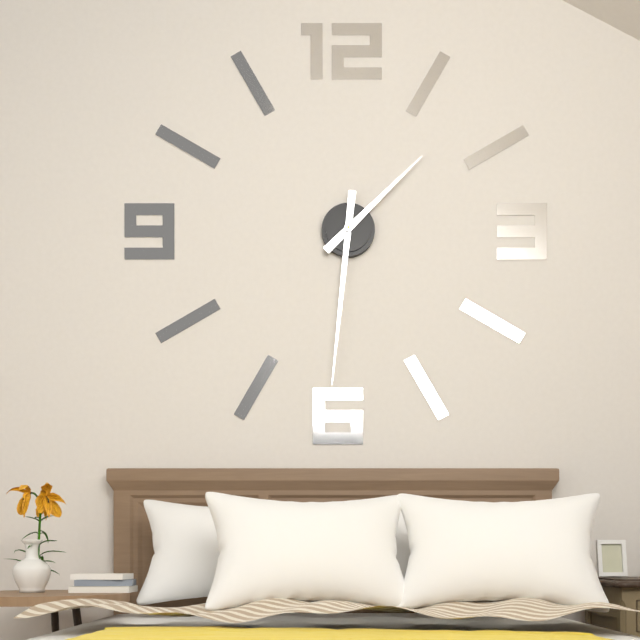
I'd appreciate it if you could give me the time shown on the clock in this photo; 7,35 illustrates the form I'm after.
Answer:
1,31
